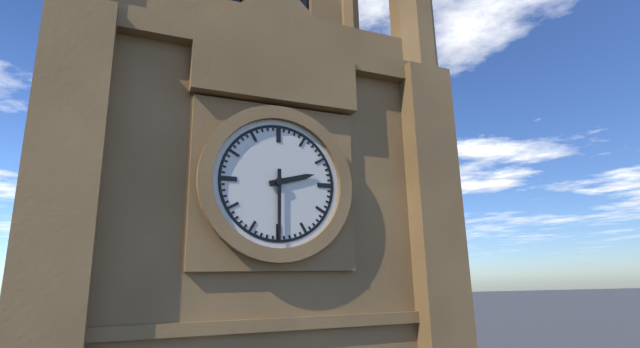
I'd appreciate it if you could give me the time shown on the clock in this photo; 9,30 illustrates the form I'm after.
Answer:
2,30
